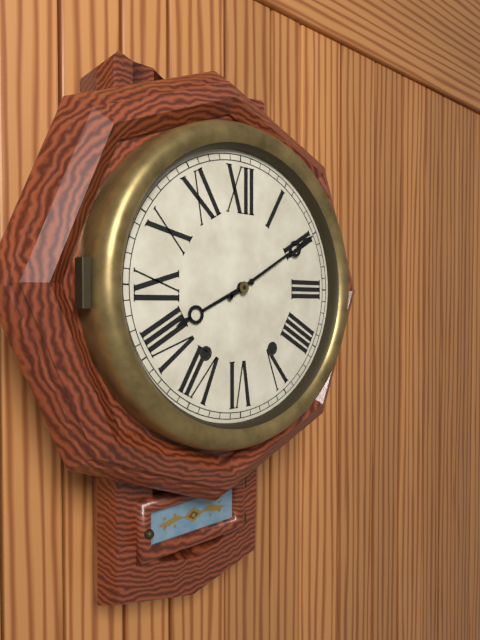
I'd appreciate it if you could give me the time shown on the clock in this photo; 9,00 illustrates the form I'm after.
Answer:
8,10
